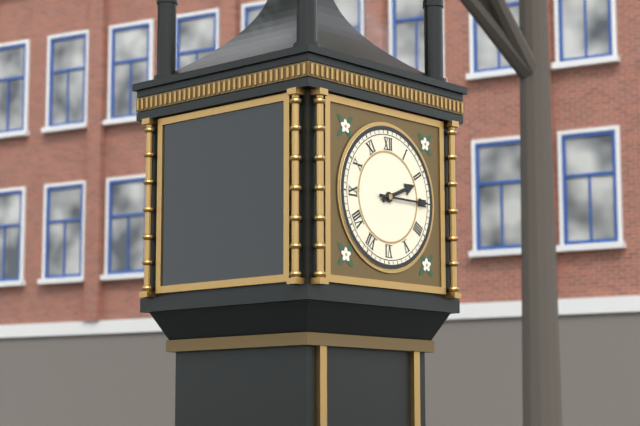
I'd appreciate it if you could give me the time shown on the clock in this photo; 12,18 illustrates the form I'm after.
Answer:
2,15
